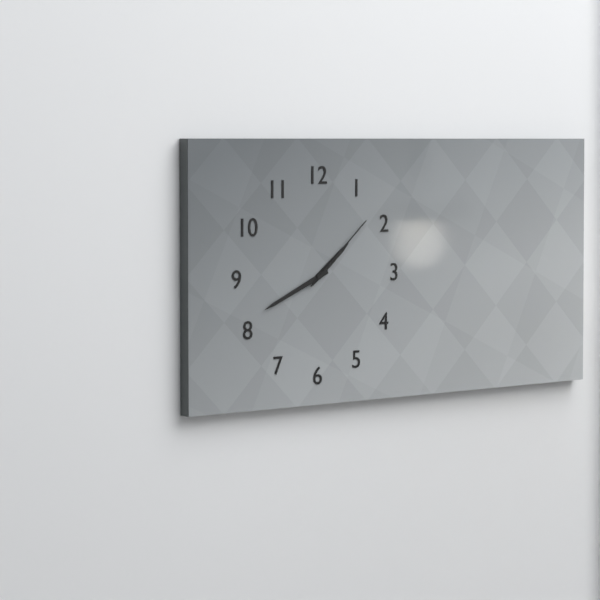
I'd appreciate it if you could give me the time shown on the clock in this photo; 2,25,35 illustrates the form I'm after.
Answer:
1,41,08
